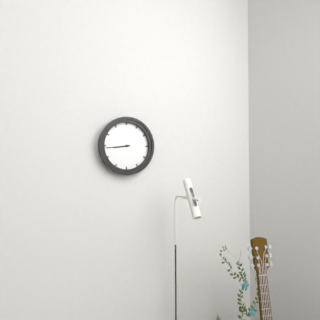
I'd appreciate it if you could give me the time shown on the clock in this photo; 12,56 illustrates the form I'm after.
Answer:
8,44
